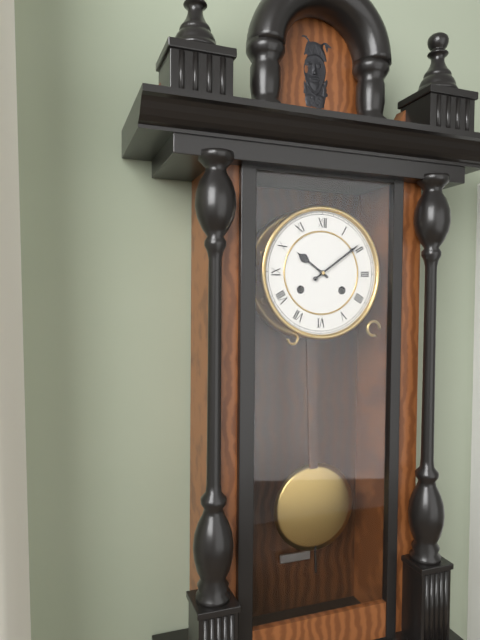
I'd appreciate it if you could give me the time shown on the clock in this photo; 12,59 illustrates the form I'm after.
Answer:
10,09
